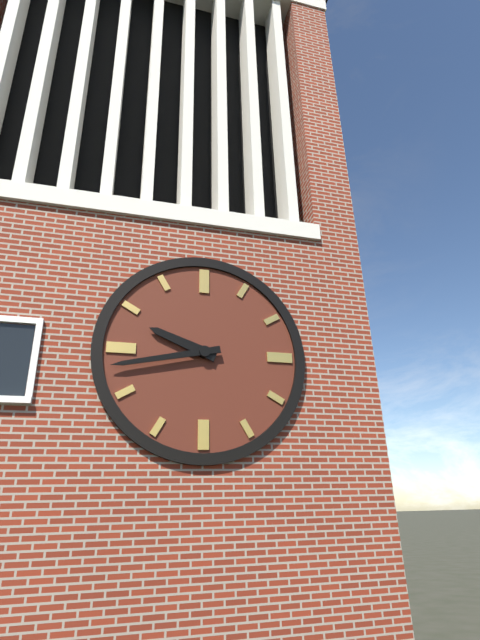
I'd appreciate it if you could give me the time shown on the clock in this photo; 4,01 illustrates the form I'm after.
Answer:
9,43
